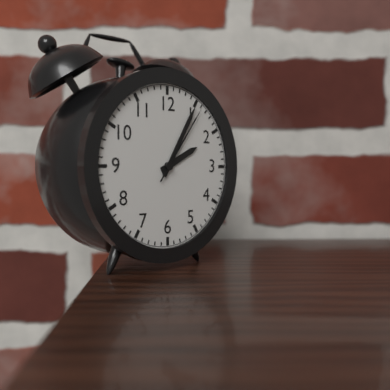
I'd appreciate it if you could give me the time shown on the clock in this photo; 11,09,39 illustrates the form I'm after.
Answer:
2,05,06
